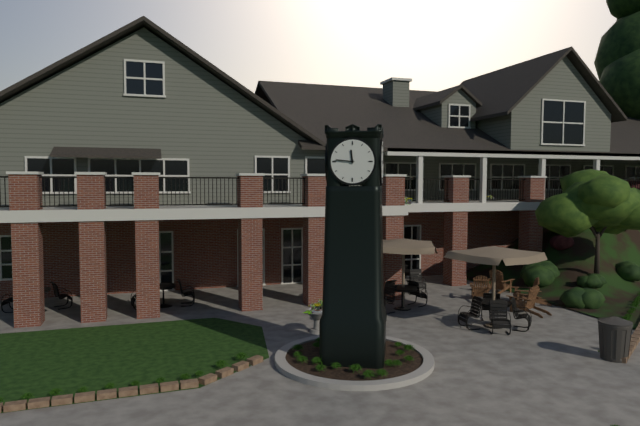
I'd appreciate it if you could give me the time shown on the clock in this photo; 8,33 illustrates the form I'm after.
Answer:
11,46
